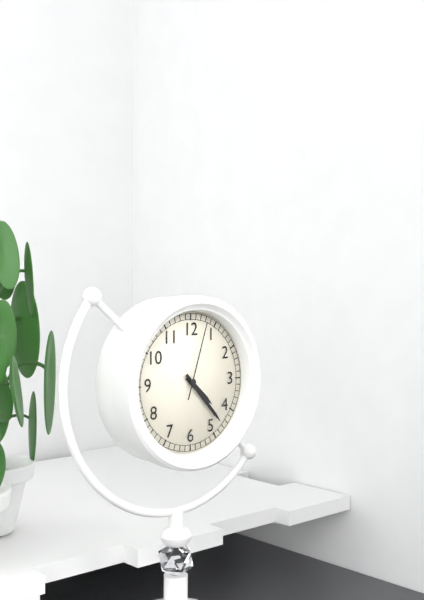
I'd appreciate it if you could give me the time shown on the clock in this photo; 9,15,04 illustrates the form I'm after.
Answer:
4,23,03
